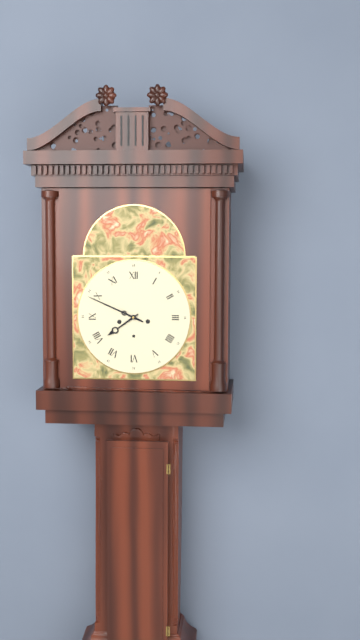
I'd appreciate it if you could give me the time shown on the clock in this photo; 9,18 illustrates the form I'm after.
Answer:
7,49
